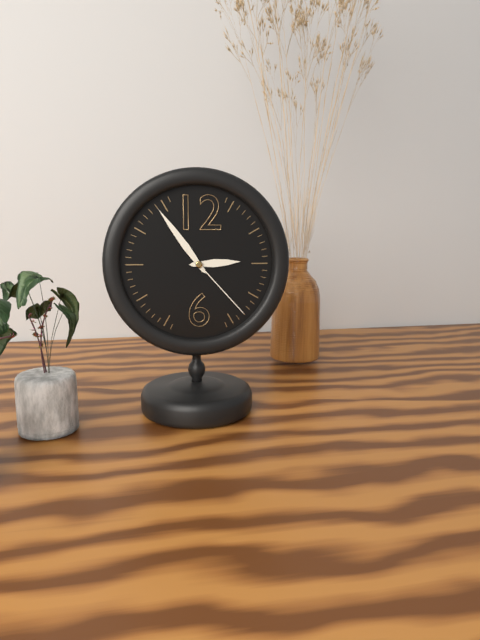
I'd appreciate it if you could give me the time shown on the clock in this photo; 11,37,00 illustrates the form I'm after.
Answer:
2,54,23
